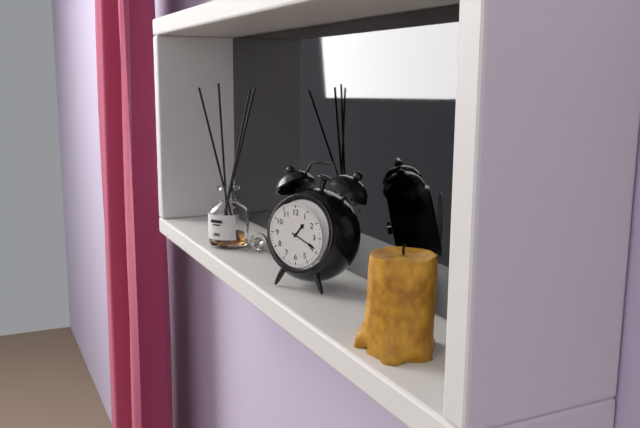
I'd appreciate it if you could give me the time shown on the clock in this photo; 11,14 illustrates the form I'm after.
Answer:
1,19
